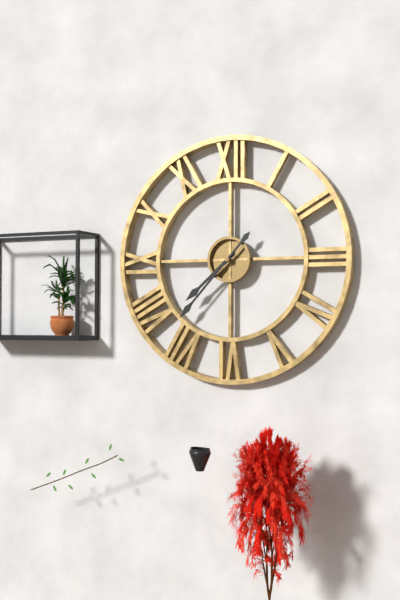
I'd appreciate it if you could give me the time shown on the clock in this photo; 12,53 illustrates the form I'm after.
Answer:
7,37
